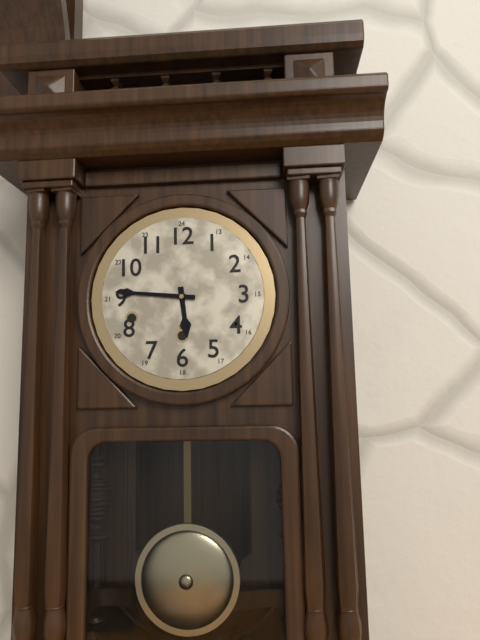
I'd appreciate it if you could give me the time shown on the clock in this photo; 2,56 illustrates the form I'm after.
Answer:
5,46
